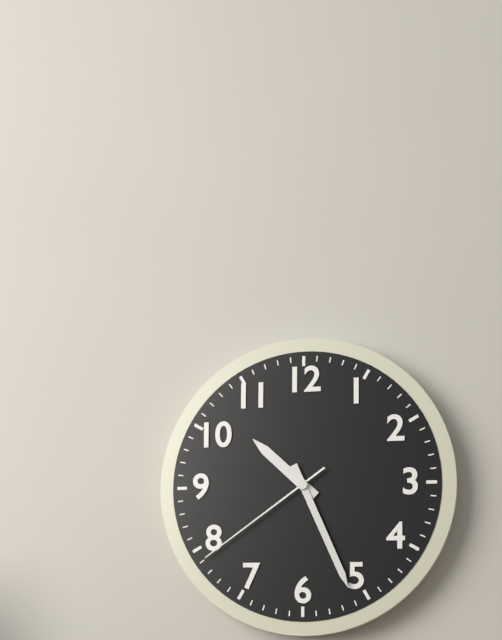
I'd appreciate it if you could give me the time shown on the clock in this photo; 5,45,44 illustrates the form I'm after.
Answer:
10,26,39
